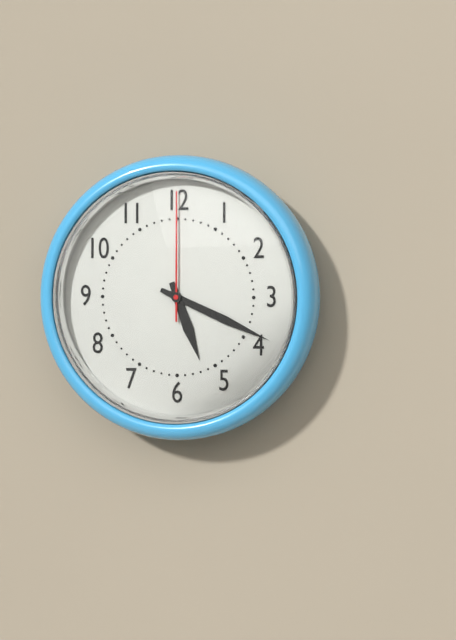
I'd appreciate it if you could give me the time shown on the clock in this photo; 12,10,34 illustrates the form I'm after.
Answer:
5,19,00
